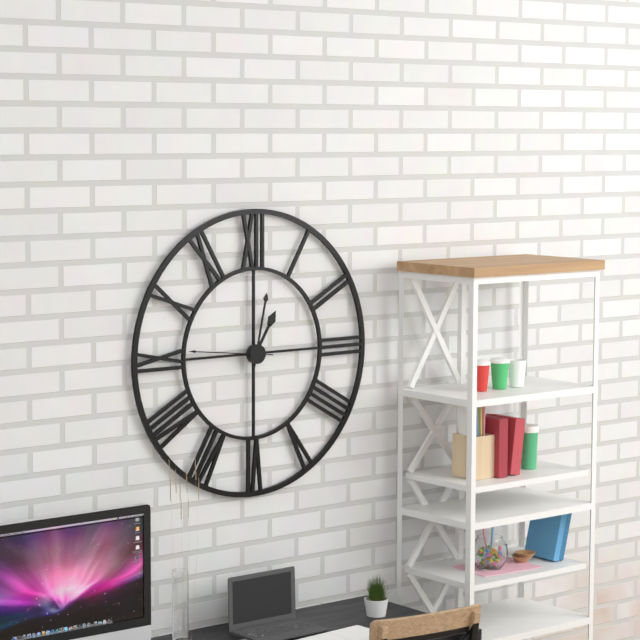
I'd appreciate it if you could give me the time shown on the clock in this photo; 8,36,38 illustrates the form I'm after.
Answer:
1,02,46
